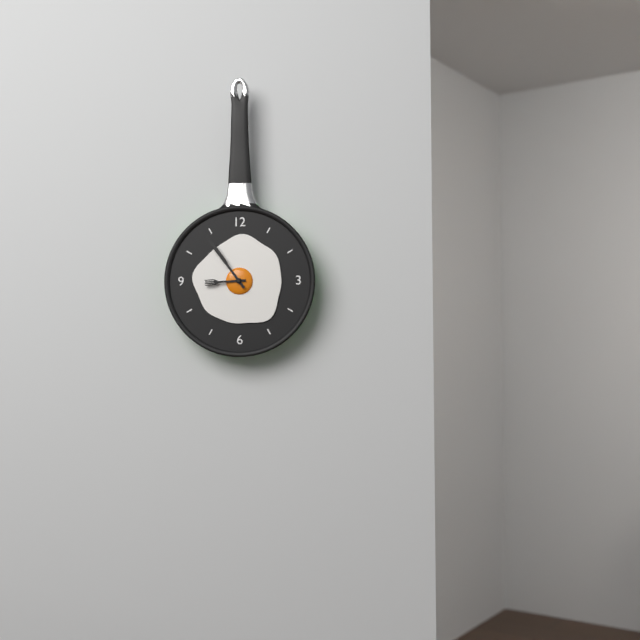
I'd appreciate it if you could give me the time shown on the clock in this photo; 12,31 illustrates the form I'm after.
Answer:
8,54
